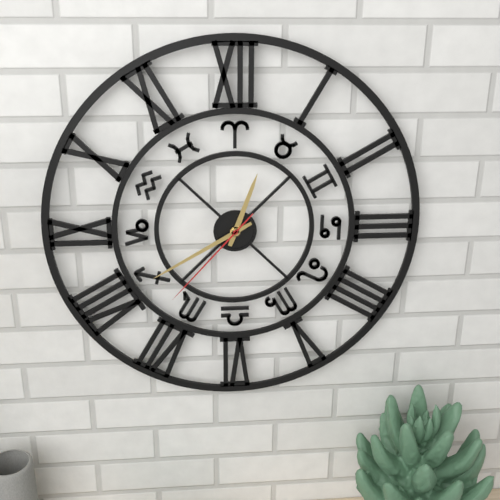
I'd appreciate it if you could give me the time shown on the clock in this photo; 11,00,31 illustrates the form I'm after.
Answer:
12,40,37
